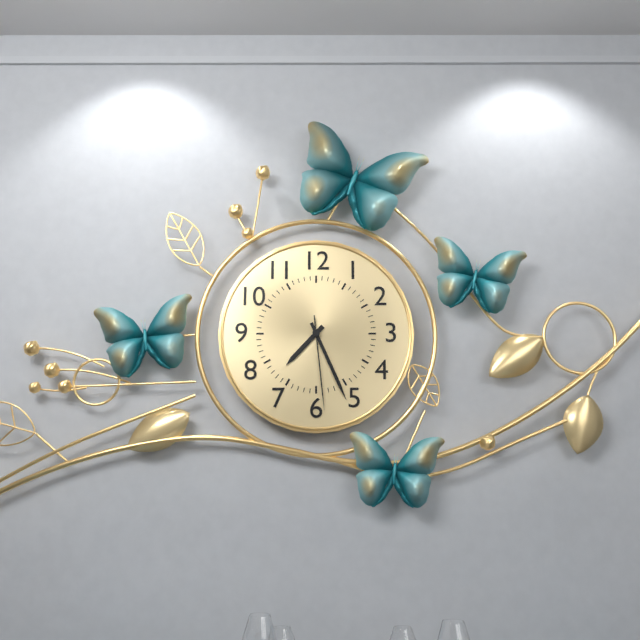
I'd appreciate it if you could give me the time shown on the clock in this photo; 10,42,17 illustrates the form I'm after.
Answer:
7,26,29
